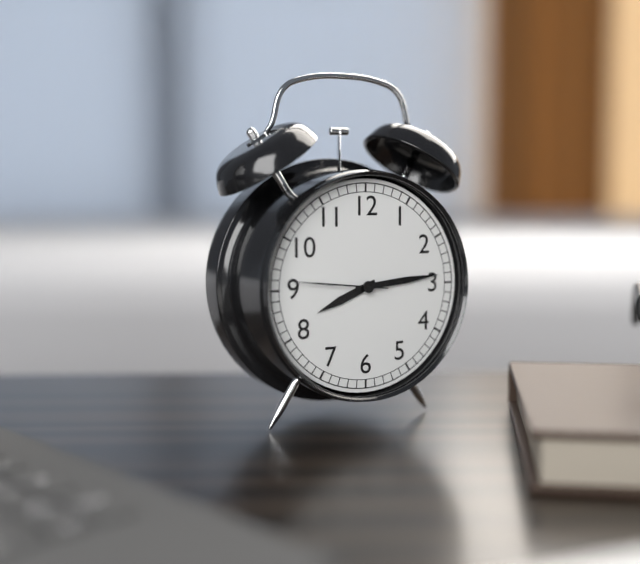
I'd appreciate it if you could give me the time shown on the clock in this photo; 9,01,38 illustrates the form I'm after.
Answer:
8,14,46
